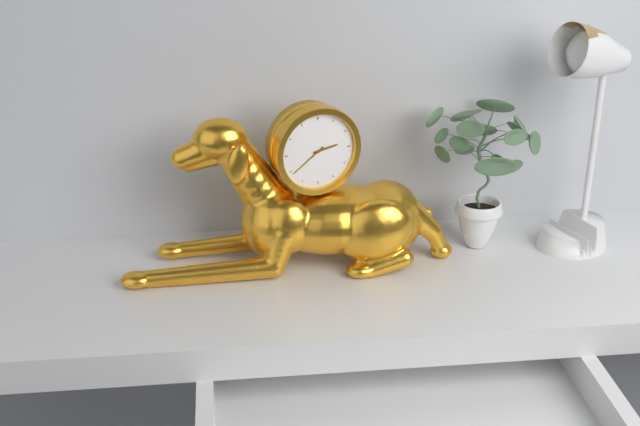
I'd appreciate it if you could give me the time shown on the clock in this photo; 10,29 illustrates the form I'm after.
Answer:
2,39
